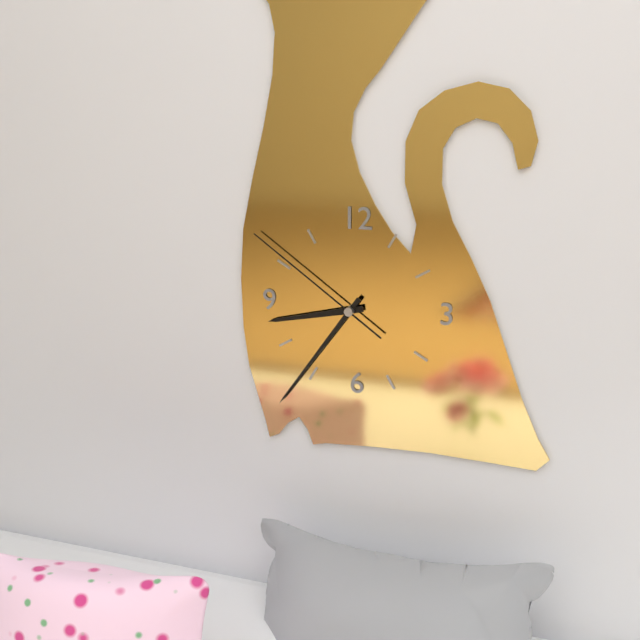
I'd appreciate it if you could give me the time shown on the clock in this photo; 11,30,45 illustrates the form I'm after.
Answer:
8,36,51
